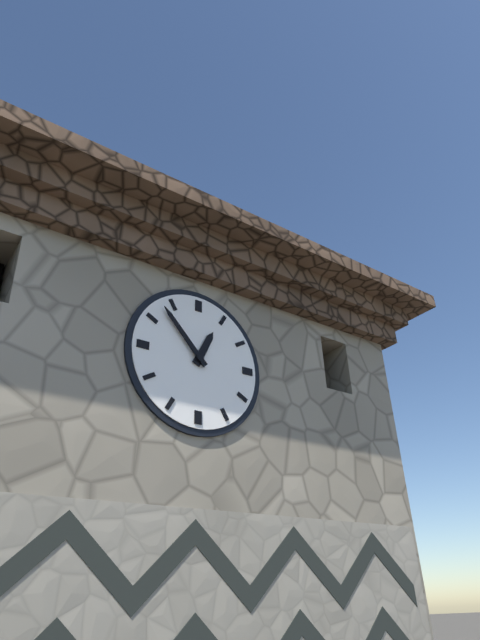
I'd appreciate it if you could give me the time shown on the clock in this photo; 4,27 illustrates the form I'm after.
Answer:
12,53
